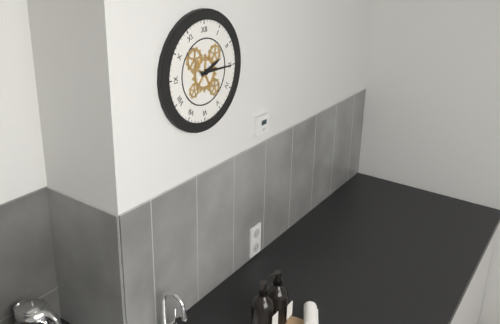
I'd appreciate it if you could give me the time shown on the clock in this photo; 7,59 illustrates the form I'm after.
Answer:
2,15
